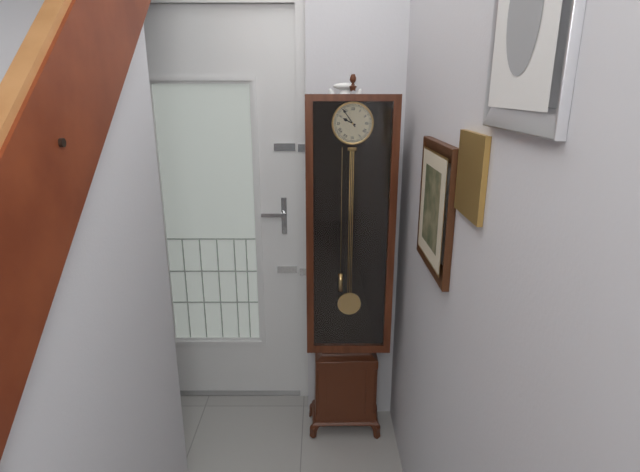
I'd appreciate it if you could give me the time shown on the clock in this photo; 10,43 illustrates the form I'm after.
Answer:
9,54
